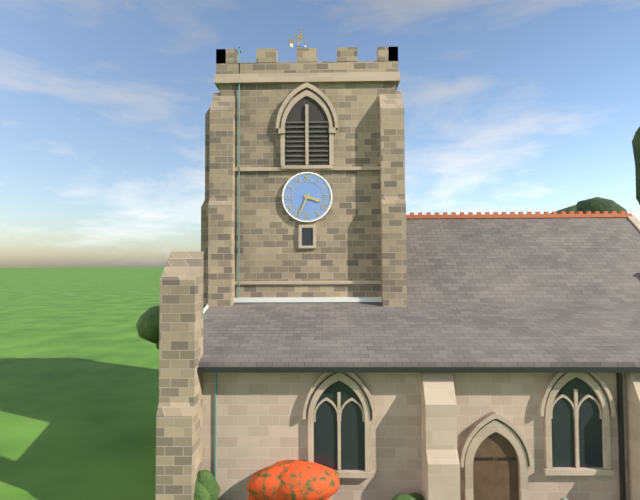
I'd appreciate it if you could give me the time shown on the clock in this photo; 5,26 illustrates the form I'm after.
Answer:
3,34
